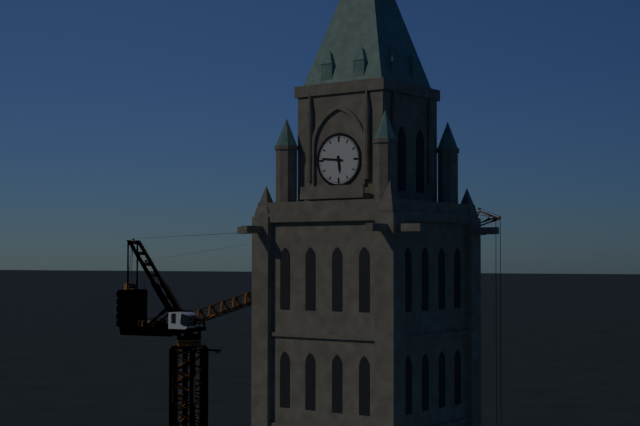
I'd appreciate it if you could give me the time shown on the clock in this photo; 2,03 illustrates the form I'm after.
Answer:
5,46
